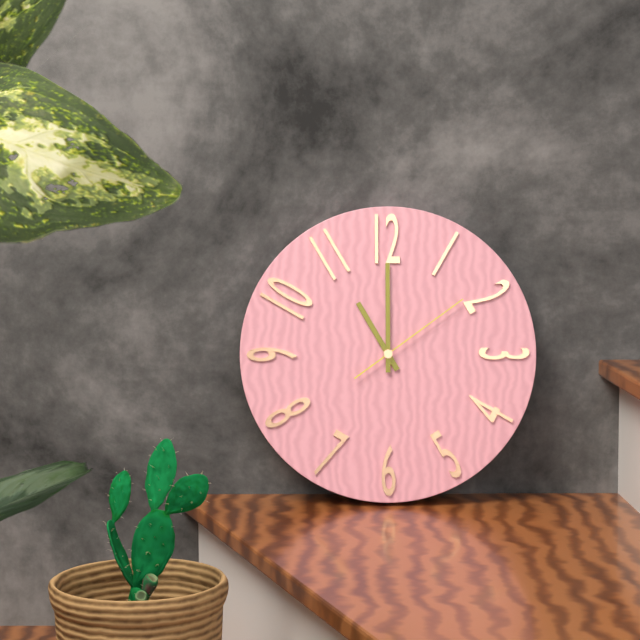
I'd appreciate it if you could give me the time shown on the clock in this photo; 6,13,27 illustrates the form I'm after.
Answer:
11,00,09
